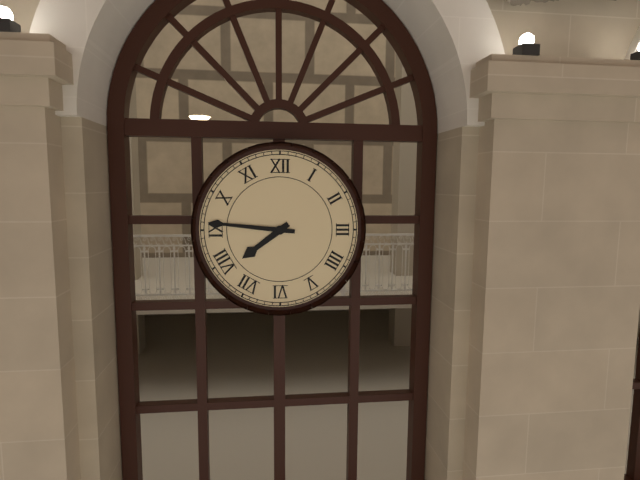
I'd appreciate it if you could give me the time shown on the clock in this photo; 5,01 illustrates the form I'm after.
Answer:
7,46
